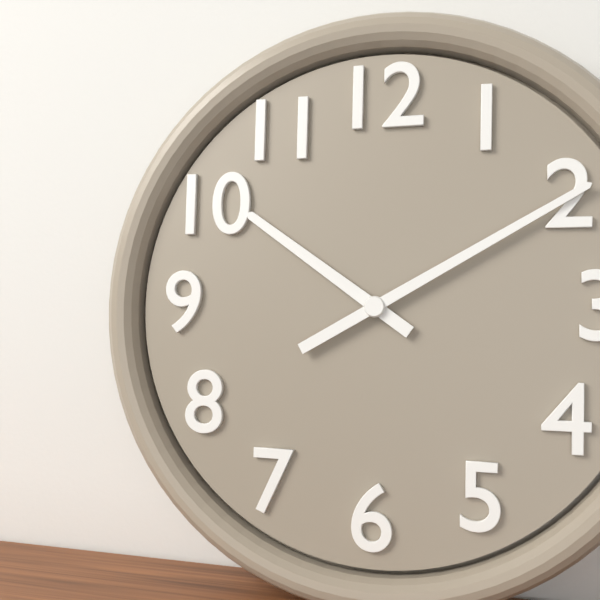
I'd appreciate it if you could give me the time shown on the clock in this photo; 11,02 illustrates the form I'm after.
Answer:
10,10
